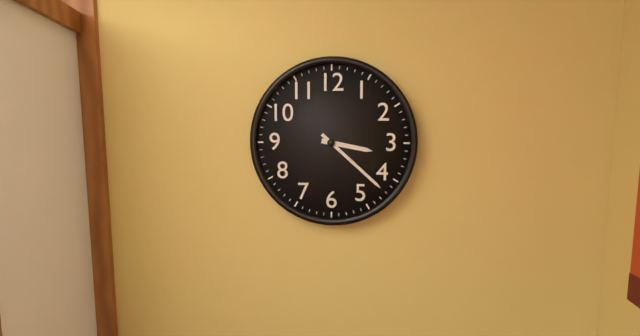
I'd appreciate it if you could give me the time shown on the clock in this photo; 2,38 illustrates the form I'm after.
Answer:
3,22
